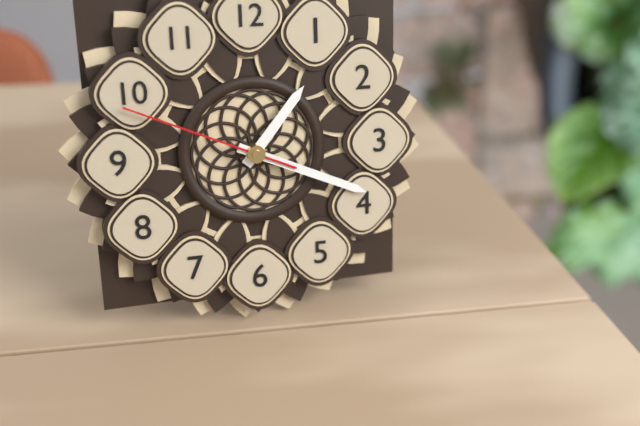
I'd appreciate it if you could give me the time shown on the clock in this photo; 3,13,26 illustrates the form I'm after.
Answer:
1,19,49
